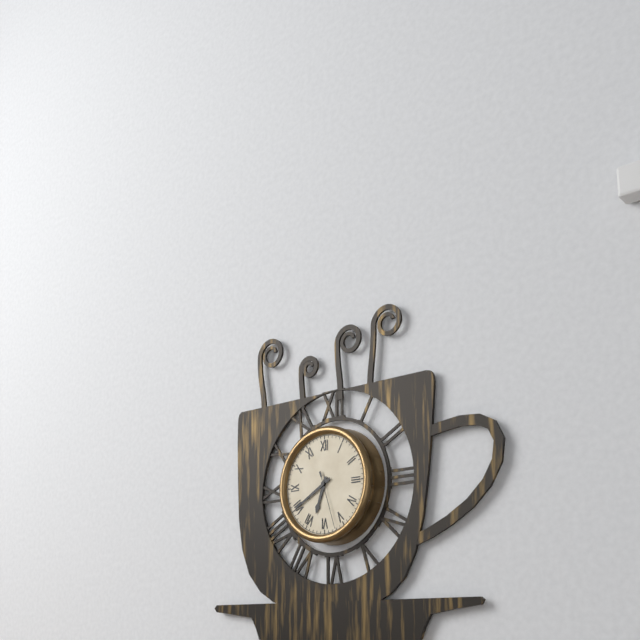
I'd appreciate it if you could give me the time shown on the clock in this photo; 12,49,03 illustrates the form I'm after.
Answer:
6,40,27
